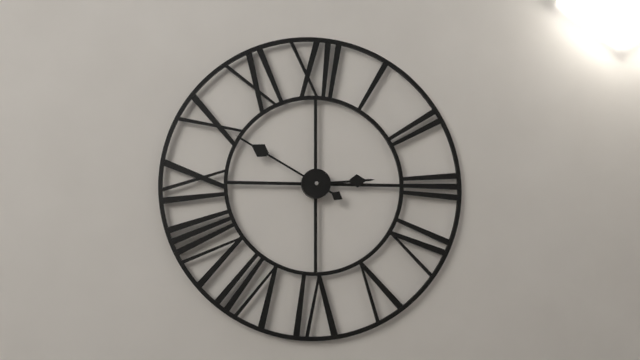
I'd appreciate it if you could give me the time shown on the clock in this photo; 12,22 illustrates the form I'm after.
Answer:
2,50
